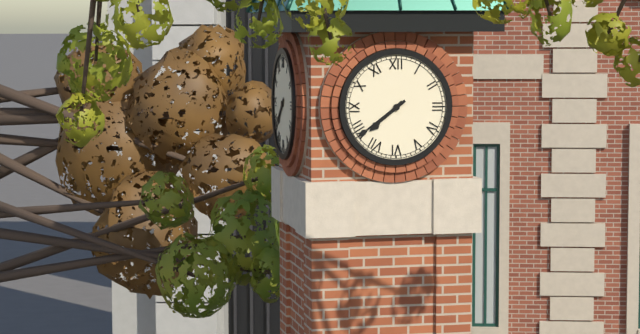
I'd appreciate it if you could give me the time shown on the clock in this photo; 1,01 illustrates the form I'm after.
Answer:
7,39
